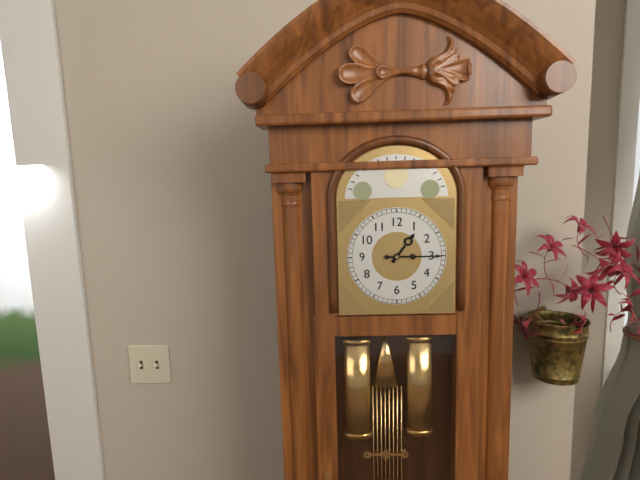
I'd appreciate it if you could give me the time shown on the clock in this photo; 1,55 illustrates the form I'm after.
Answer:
1,15
